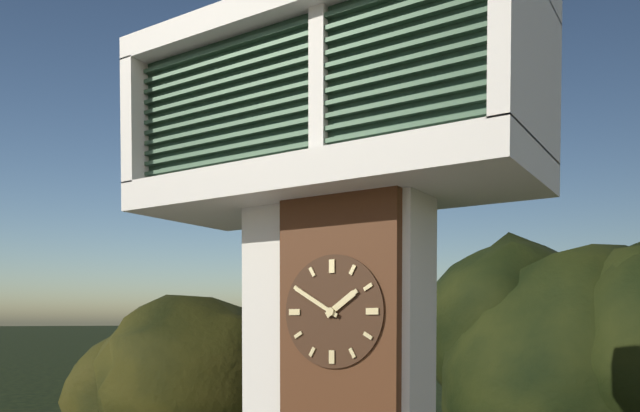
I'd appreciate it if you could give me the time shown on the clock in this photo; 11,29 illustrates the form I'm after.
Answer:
1,50
